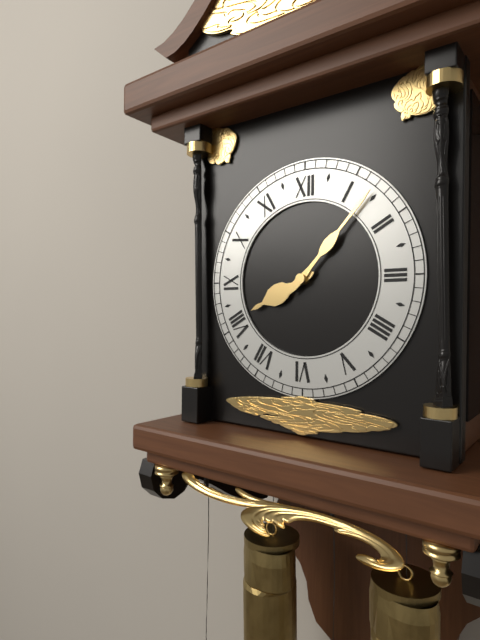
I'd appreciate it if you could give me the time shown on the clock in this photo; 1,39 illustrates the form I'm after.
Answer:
8,07
